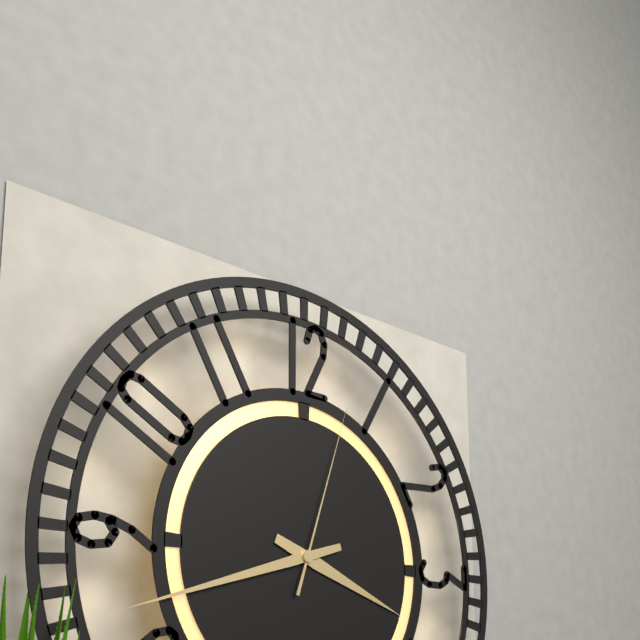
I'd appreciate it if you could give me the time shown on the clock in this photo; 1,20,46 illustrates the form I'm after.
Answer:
3,42,03
